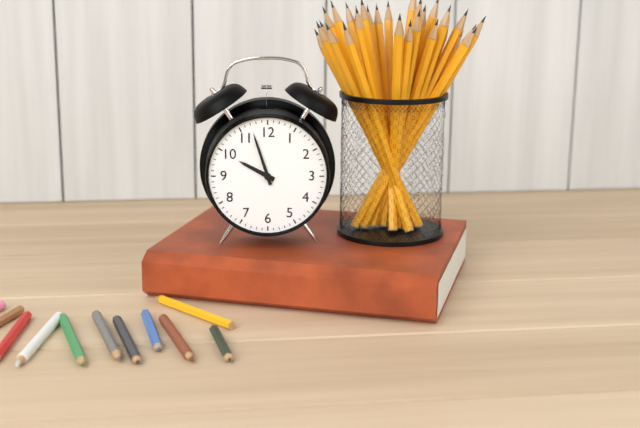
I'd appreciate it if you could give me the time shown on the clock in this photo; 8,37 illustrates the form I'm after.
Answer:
9,57
